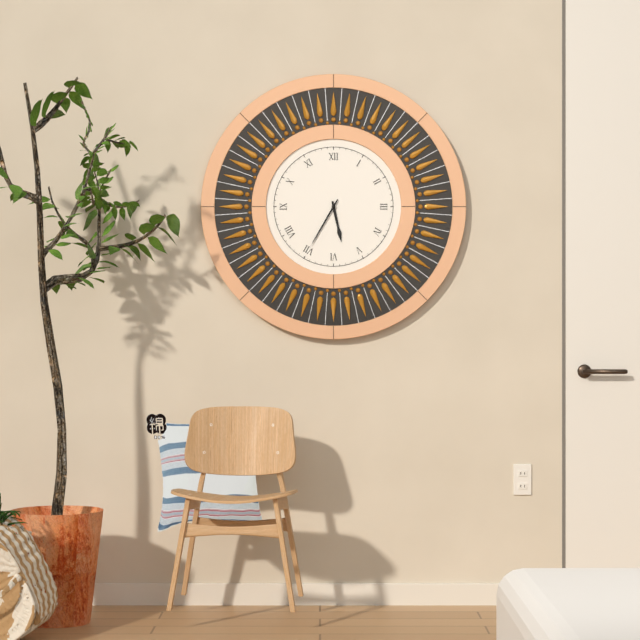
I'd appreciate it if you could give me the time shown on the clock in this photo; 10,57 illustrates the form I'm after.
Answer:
5,35
